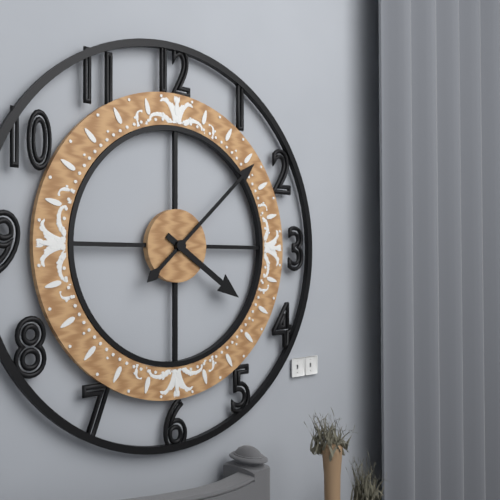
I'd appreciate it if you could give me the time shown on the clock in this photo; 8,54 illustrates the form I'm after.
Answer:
4,08
